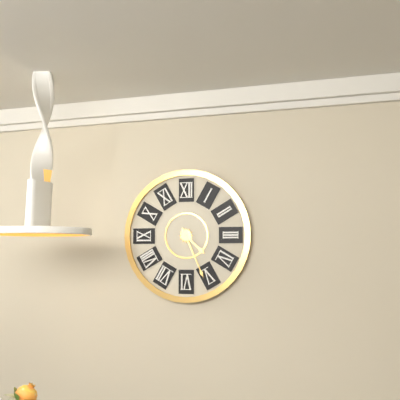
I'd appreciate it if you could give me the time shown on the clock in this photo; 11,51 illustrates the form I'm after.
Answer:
4,26
